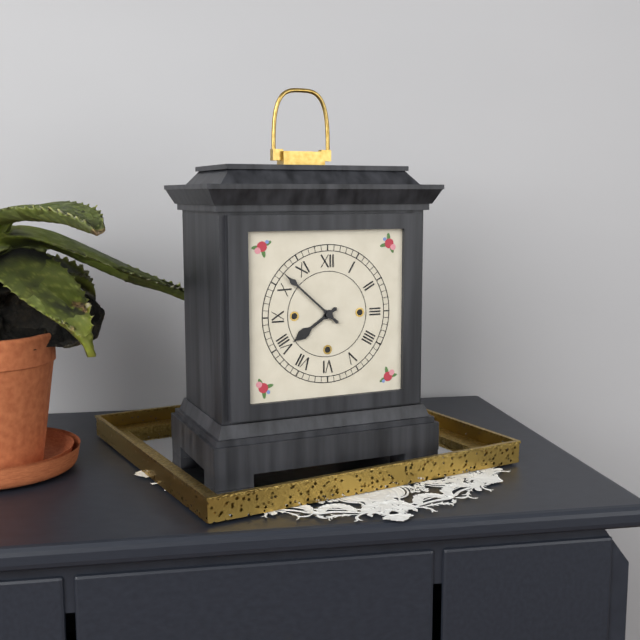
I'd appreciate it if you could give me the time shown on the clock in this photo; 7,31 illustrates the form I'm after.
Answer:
7,52
